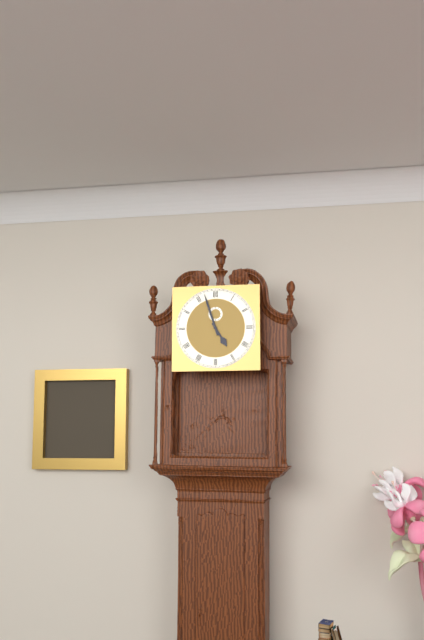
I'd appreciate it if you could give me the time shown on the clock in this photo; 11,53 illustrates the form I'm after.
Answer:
4,57
